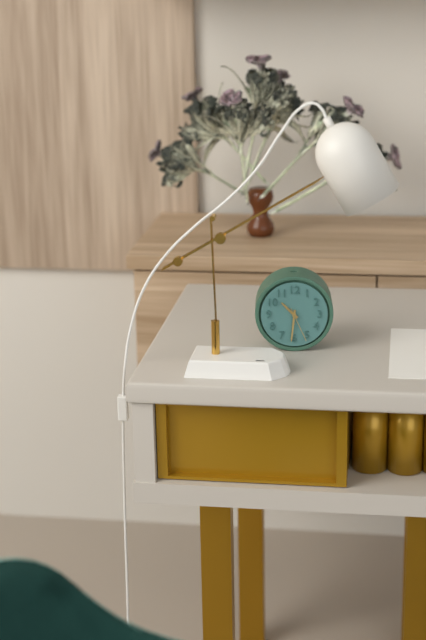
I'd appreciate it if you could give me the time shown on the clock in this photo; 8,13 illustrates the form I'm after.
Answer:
10,31
